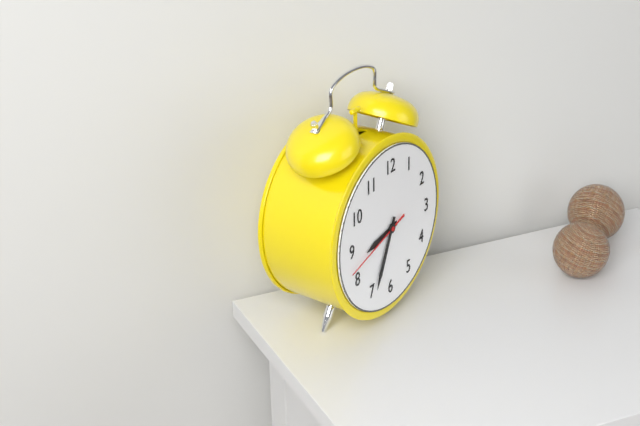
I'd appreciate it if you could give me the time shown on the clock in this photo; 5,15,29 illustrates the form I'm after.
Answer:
8,34,42
